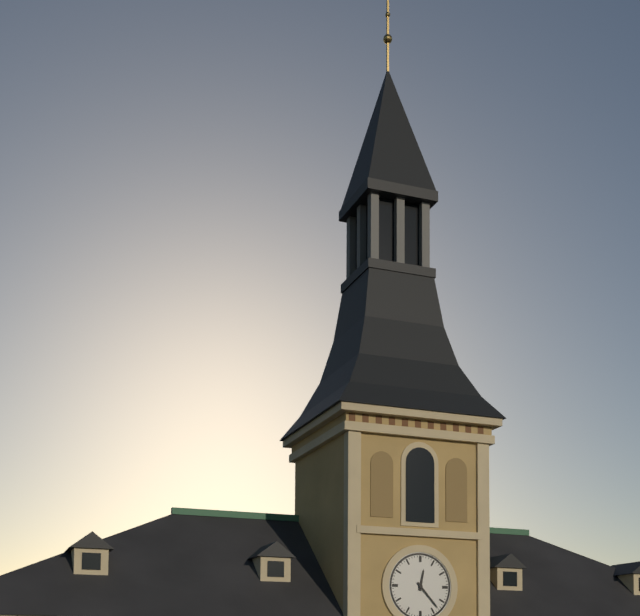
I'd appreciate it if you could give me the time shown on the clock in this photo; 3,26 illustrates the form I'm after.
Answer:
12,23
